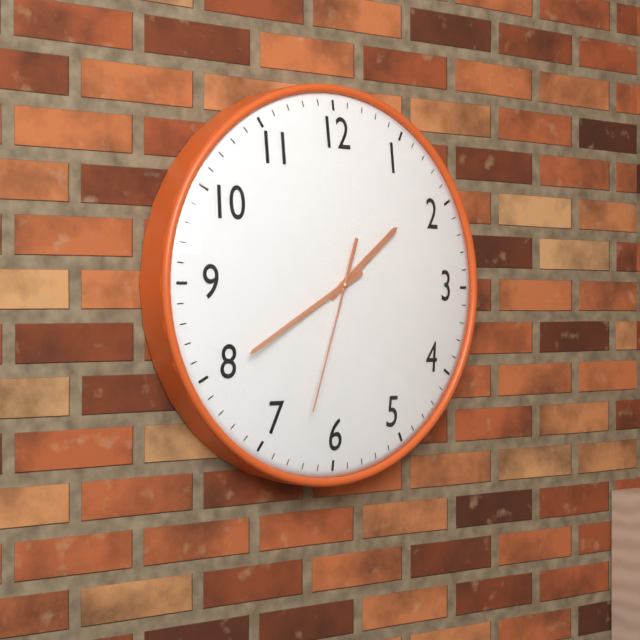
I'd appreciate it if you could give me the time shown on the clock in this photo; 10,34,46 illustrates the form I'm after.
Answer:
1,40,33
